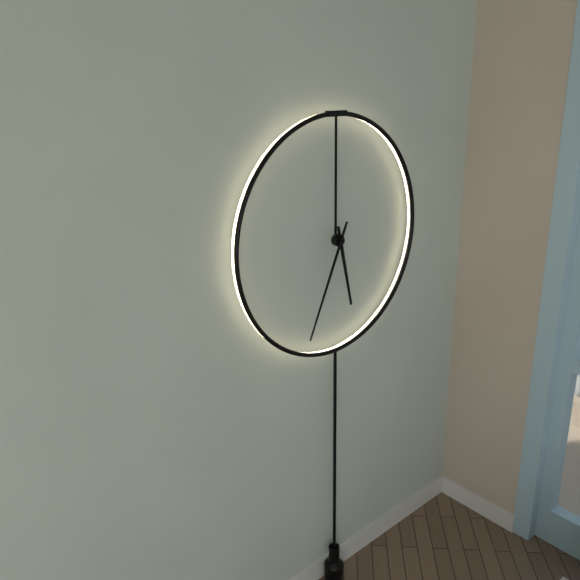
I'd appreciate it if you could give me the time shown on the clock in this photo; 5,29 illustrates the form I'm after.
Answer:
5,34
